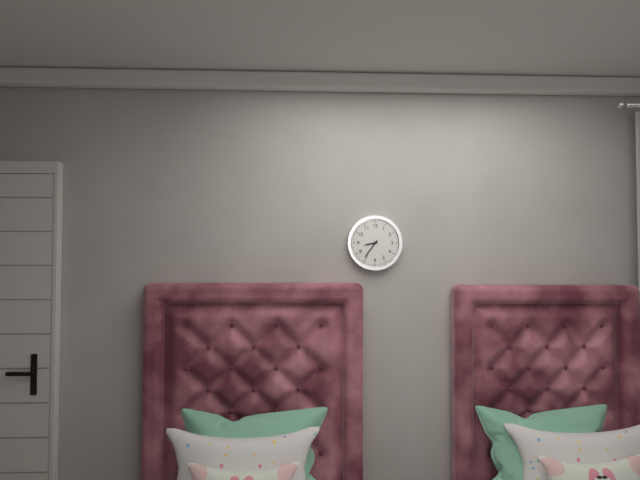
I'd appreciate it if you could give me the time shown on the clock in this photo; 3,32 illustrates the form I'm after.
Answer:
8,36
